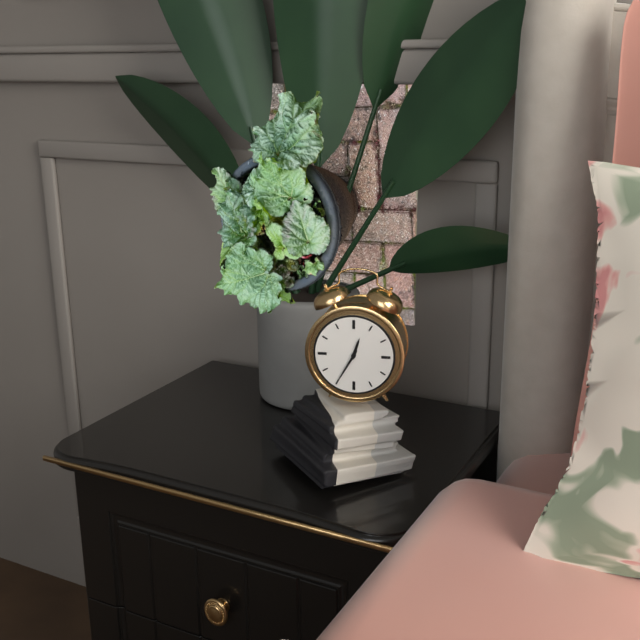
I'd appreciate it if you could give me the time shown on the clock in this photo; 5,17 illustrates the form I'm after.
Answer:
12,35
